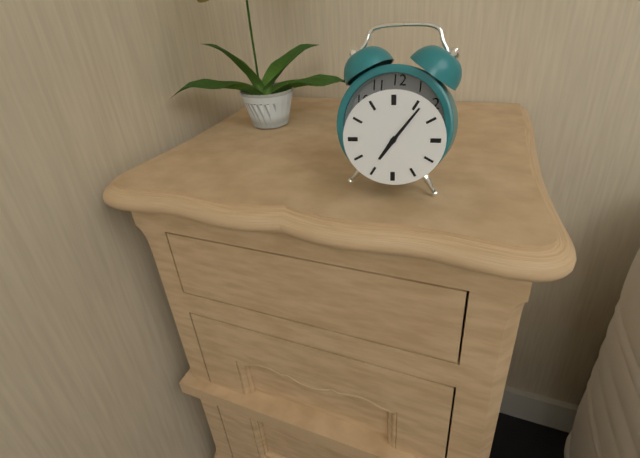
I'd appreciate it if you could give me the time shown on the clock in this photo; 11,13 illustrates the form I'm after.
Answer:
7,06
